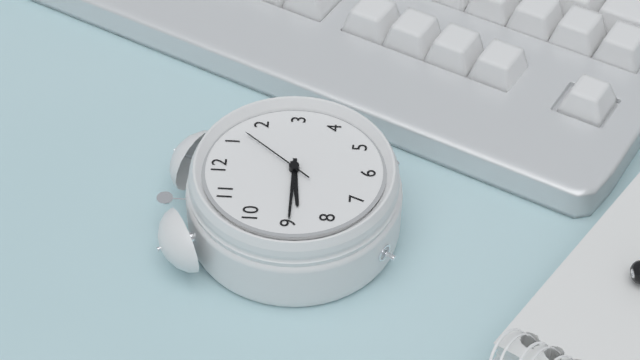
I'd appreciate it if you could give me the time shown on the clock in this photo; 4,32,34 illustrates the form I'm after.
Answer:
8,45,07
